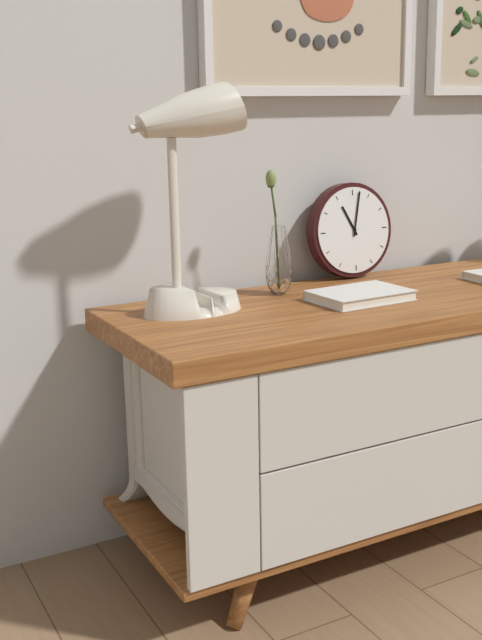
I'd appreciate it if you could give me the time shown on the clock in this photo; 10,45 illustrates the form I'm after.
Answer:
11,02
